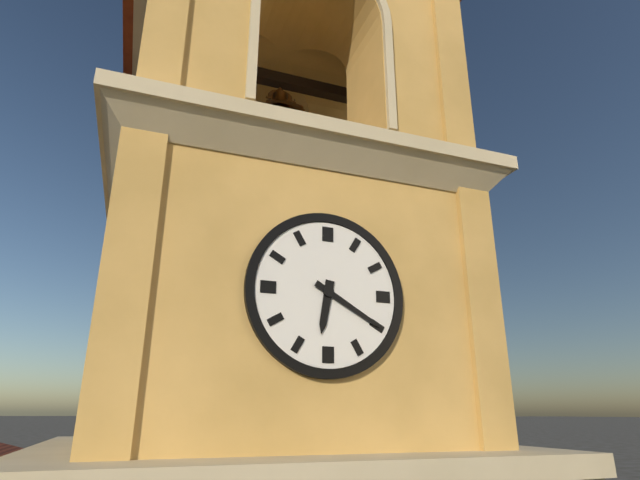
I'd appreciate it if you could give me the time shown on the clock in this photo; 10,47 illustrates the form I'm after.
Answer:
6,20
